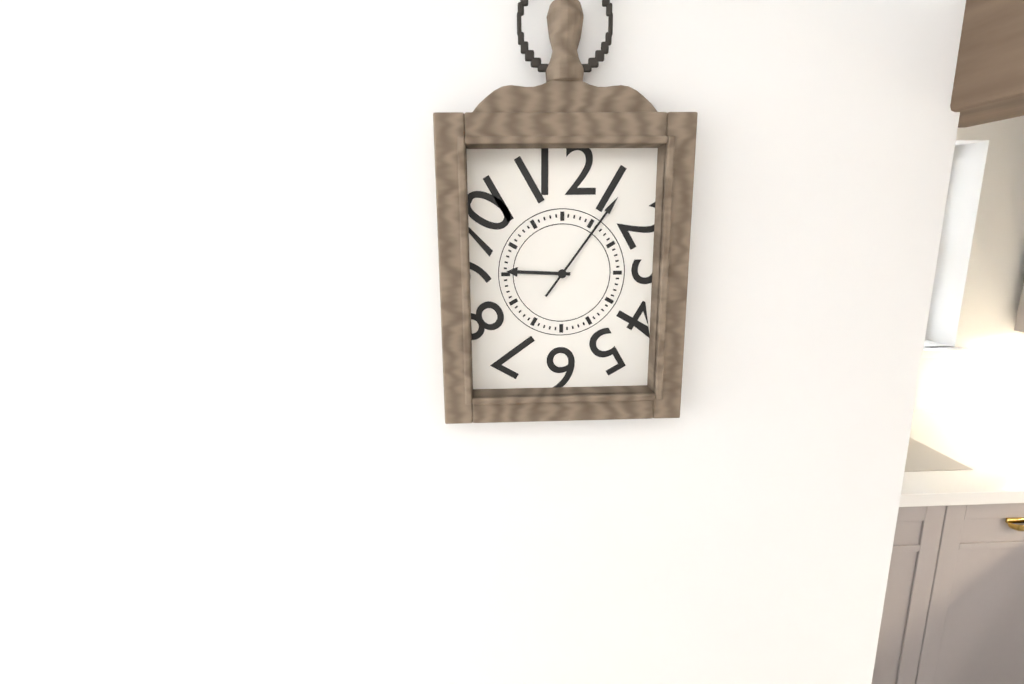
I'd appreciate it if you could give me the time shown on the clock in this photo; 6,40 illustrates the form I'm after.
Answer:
9,06
